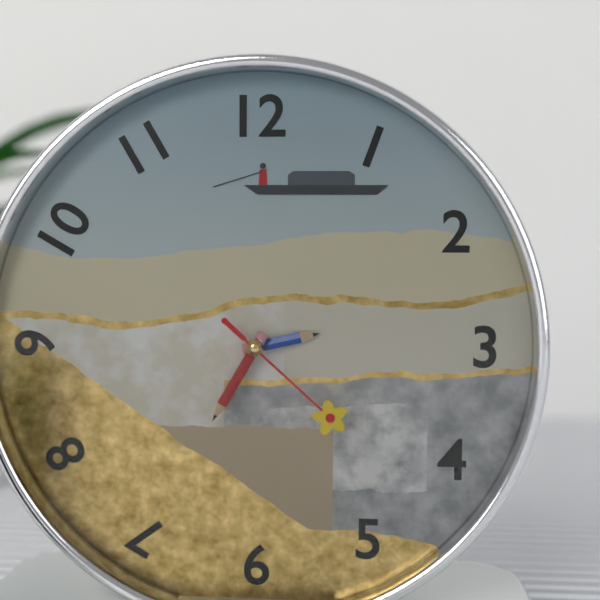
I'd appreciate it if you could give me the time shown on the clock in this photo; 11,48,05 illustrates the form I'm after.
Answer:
2,35,22
